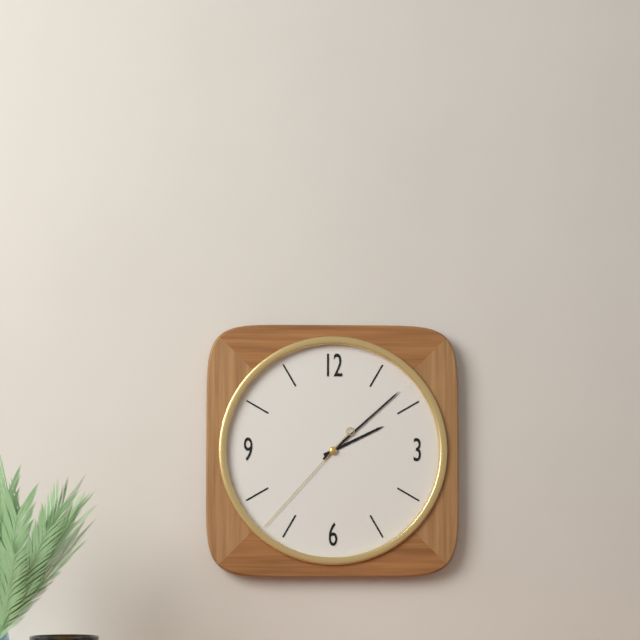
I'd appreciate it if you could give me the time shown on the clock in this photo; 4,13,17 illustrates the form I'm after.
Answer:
2,08,37
